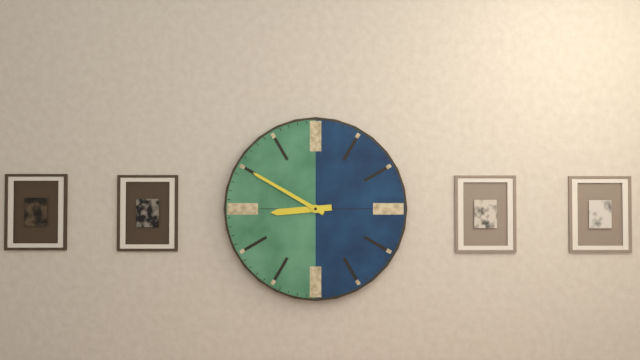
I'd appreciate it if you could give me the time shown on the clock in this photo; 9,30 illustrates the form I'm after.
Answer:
8,50
